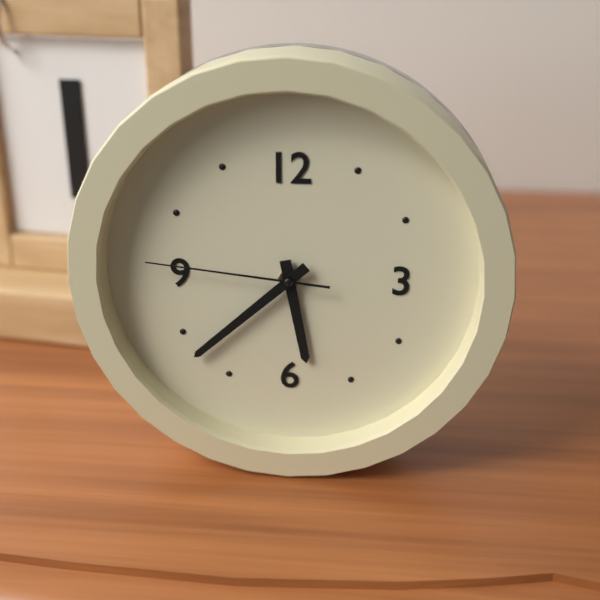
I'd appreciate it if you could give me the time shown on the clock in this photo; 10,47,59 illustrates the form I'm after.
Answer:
5,38,46
